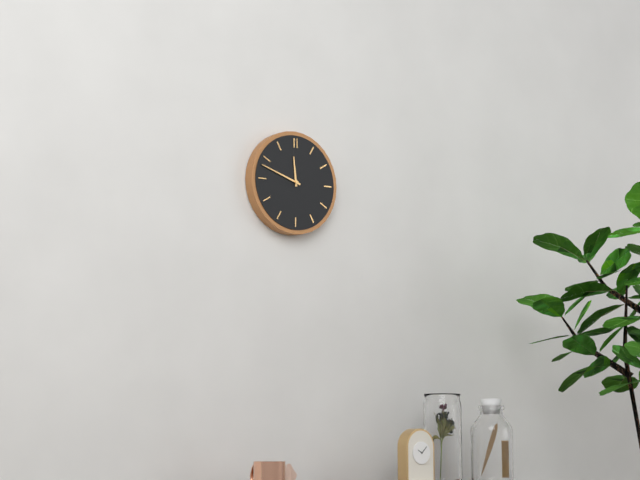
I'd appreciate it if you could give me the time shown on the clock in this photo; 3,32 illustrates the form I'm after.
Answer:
11,48
